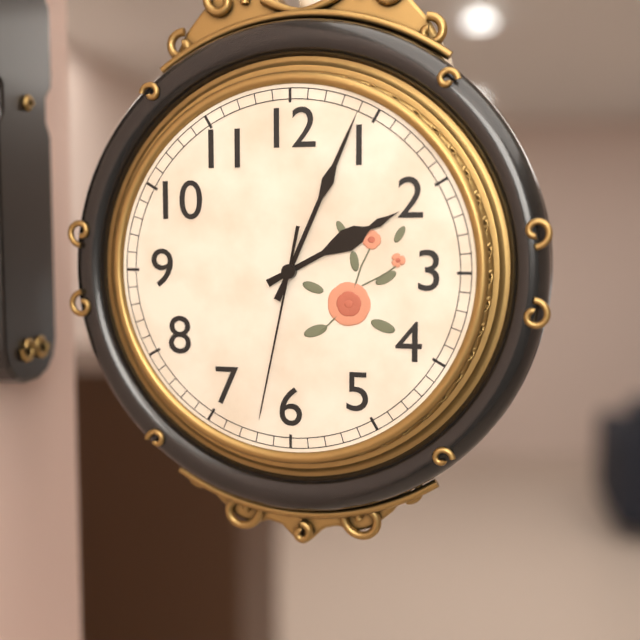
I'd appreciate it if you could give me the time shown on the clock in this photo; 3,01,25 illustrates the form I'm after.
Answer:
2,04,32
